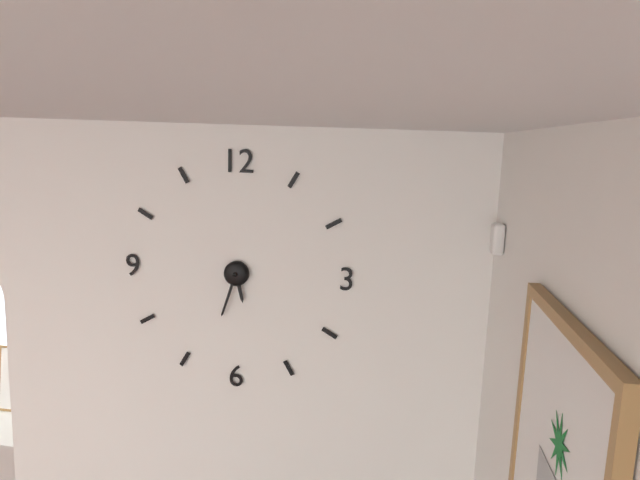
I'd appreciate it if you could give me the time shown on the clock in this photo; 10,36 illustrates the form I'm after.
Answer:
5,33
